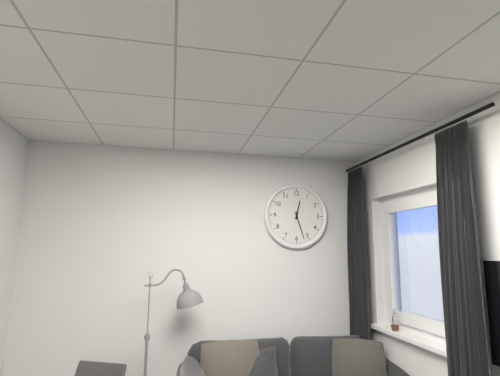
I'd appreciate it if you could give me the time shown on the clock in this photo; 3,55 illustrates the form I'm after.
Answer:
12,27
